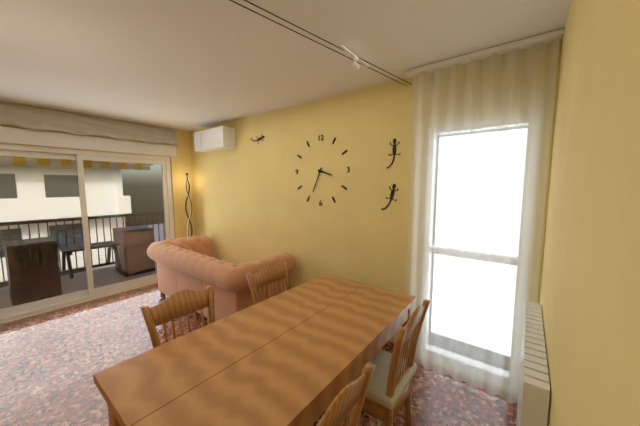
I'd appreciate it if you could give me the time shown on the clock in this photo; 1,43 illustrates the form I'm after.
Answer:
3,34
